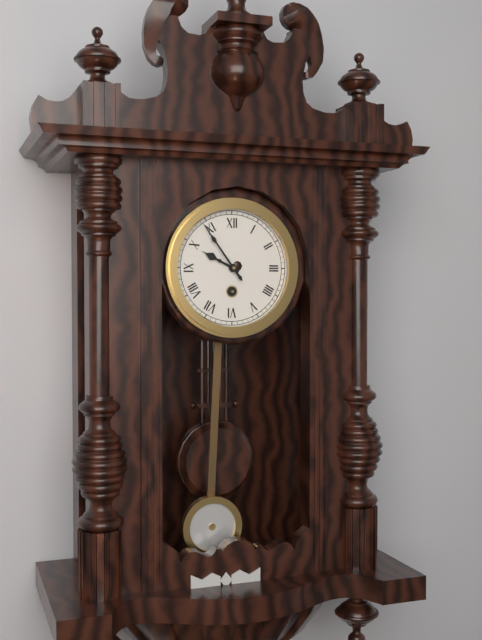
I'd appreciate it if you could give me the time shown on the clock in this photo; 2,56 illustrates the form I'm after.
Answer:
9,54
